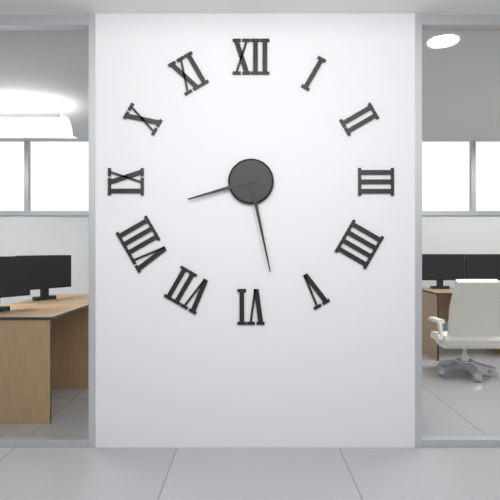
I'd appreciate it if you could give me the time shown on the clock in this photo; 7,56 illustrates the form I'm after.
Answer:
8,28
